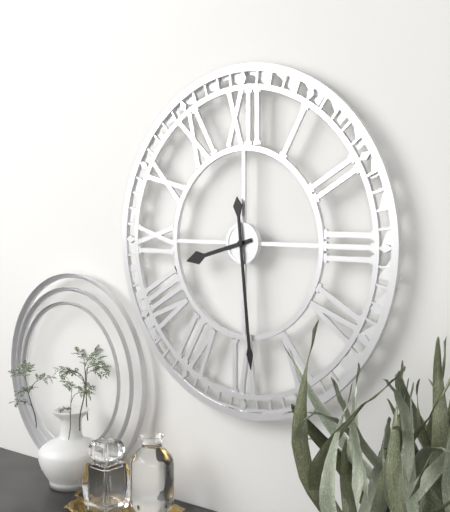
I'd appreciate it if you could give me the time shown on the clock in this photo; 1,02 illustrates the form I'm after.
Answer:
8,29
